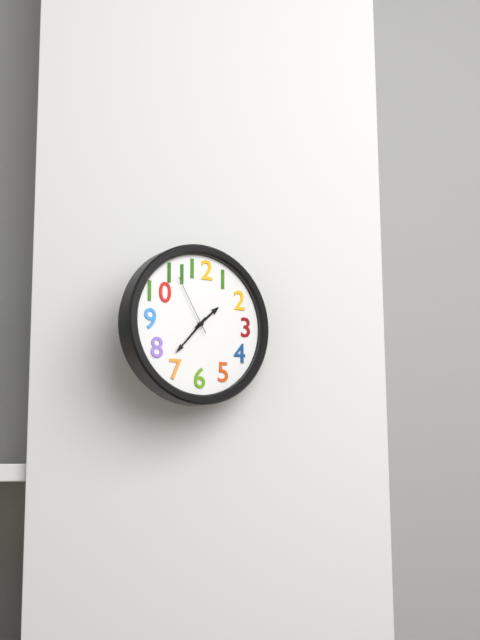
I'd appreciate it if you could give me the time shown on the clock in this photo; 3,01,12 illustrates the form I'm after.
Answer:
1,37,55
